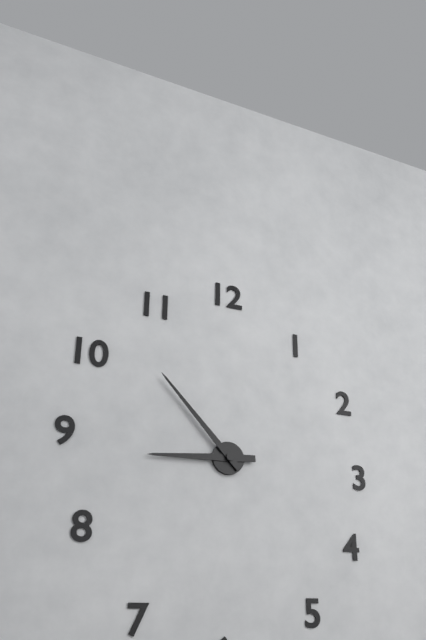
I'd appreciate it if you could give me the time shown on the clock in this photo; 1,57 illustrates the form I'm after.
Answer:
8,53
